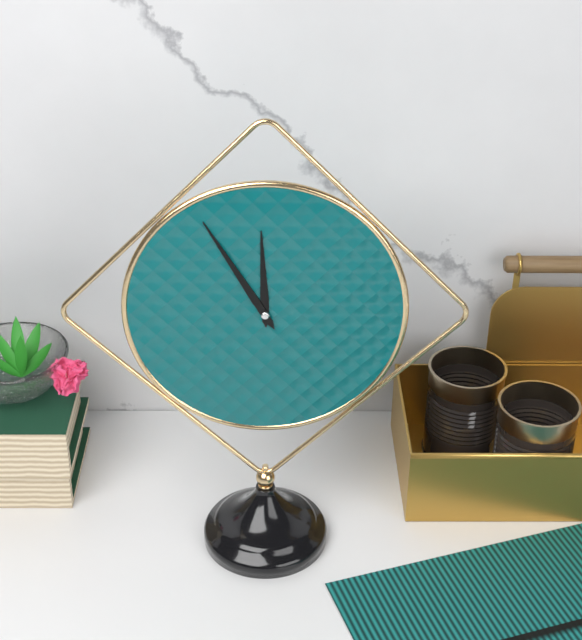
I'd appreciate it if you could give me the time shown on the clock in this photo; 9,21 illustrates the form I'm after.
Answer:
11,55
